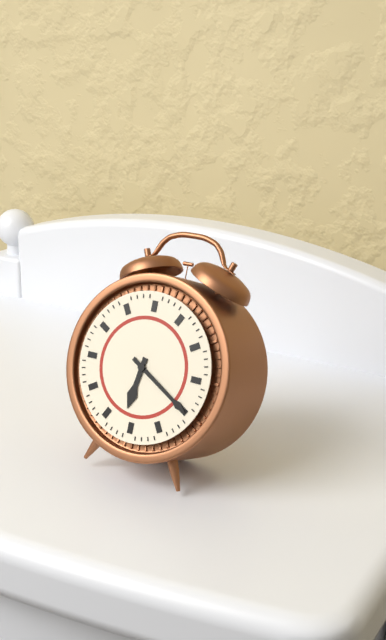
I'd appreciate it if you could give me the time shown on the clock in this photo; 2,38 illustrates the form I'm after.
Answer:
6,20
